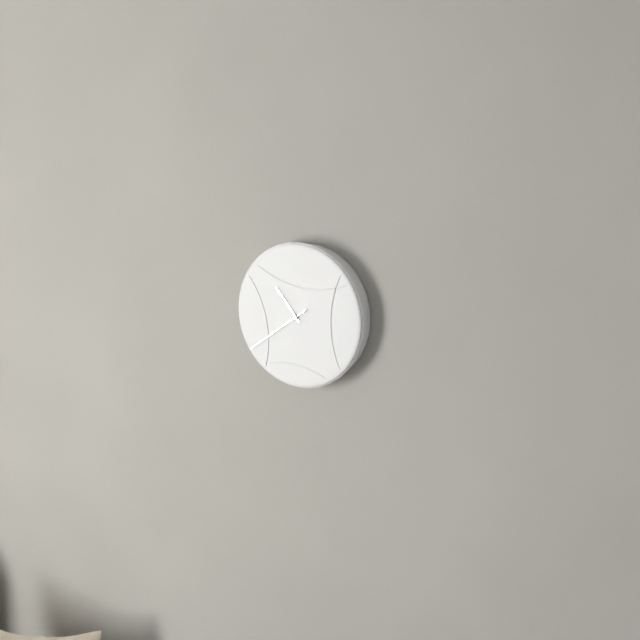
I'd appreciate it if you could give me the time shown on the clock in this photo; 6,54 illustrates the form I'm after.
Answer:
10,39
